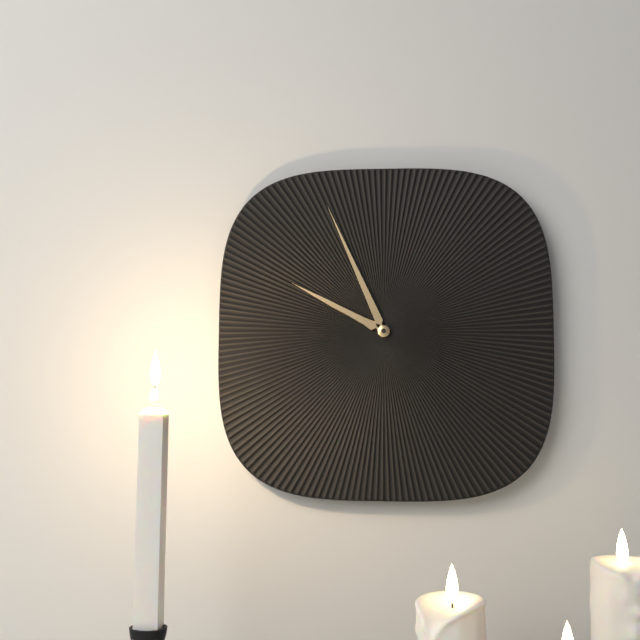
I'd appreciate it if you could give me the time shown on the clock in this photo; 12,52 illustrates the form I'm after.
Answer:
9,56
